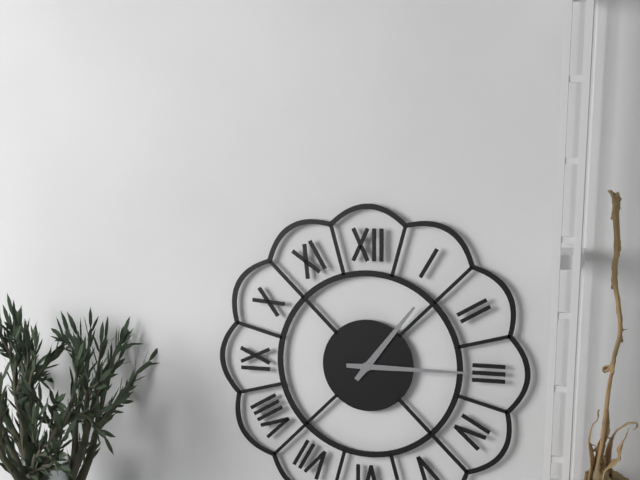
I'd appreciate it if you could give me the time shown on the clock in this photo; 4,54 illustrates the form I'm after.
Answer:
1,15
